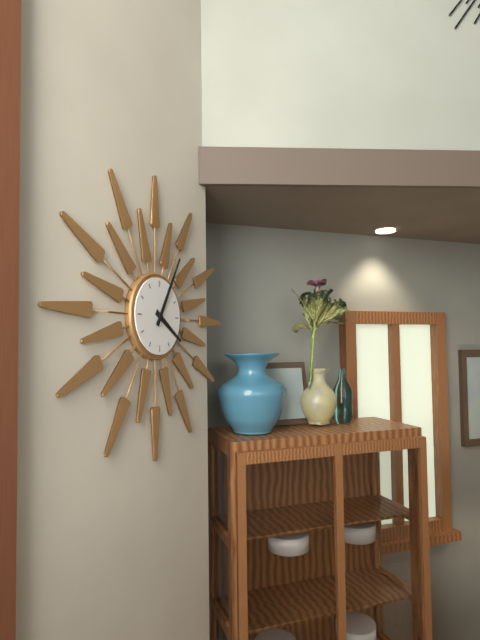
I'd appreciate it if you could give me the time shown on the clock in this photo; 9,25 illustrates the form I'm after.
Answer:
4,05
